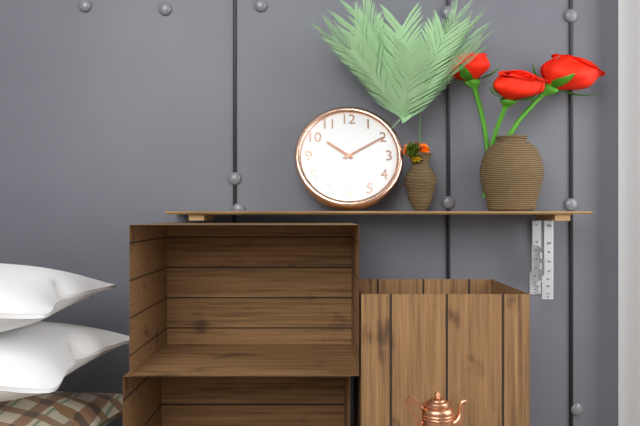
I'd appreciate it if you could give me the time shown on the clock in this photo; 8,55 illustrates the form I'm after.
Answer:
10,10
